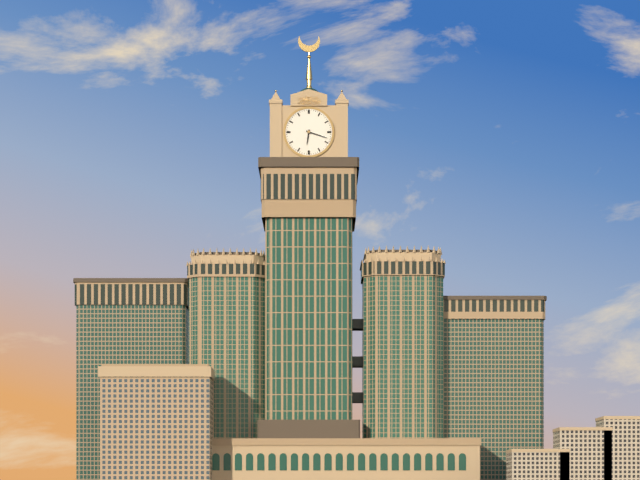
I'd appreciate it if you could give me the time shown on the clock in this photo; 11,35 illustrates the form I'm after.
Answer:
6,18
